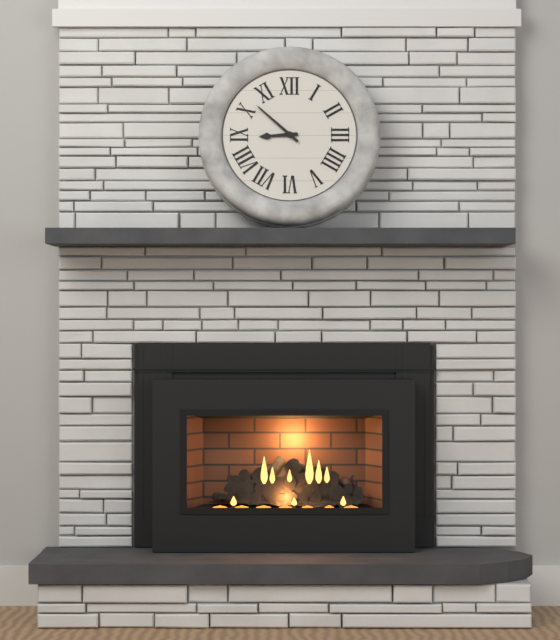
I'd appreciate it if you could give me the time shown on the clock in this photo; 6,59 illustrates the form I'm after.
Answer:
8,52
